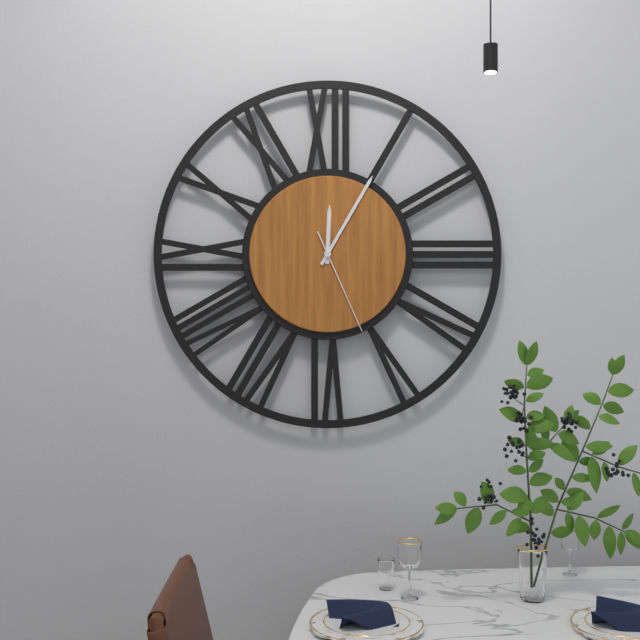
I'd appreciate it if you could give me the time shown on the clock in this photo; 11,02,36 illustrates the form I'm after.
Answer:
12,05,26
